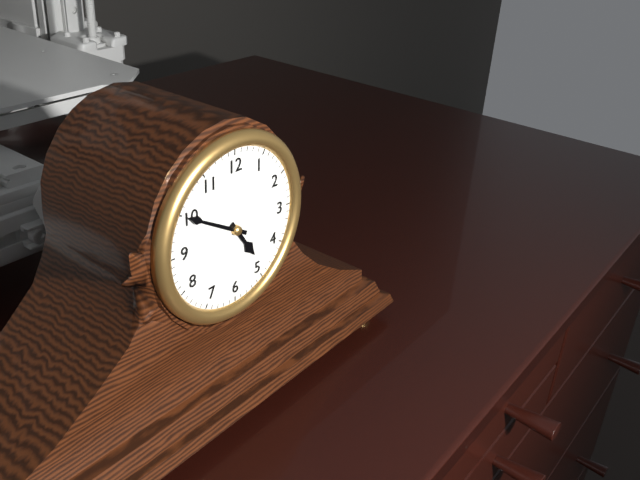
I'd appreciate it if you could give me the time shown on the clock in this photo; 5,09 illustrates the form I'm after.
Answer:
4,50
